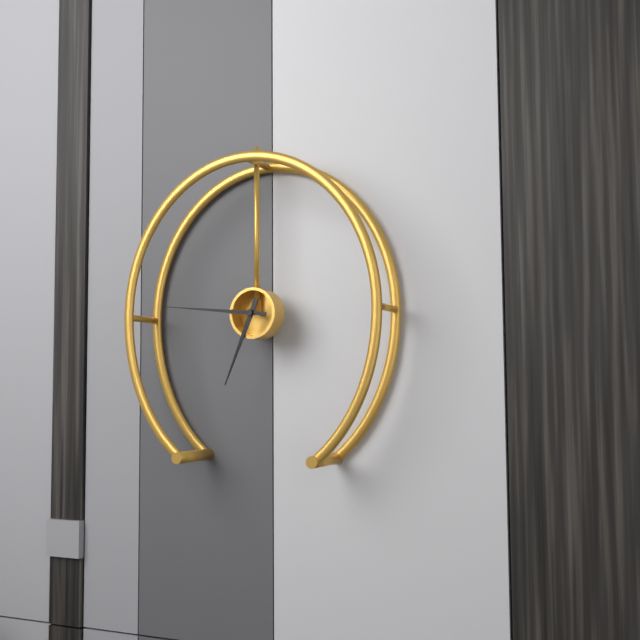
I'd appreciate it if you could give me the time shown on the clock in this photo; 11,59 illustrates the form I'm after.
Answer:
6,46
